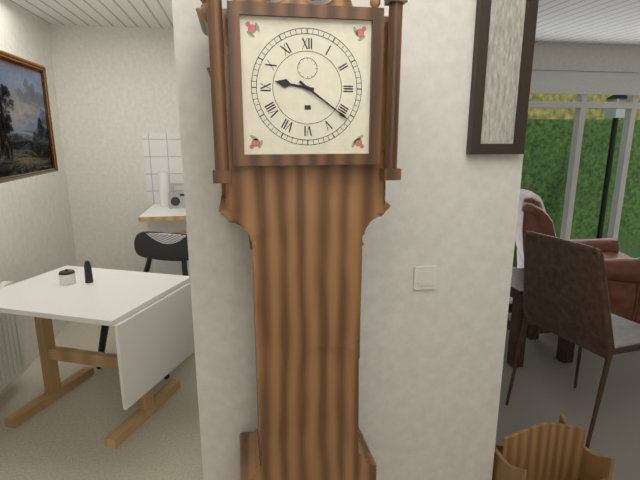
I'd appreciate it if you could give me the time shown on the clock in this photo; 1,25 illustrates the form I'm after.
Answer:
9,21
